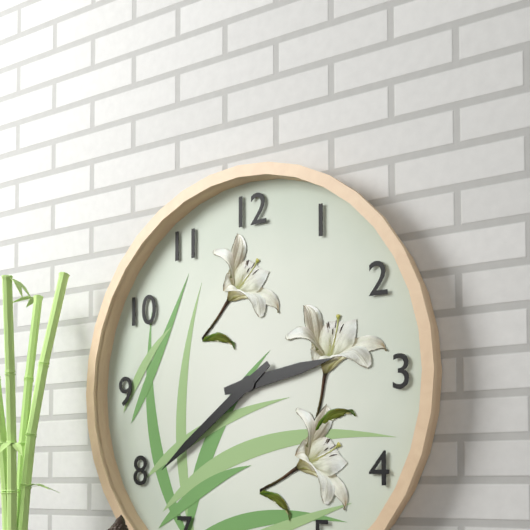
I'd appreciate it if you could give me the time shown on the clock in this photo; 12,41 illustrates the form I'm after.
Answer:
2,39
